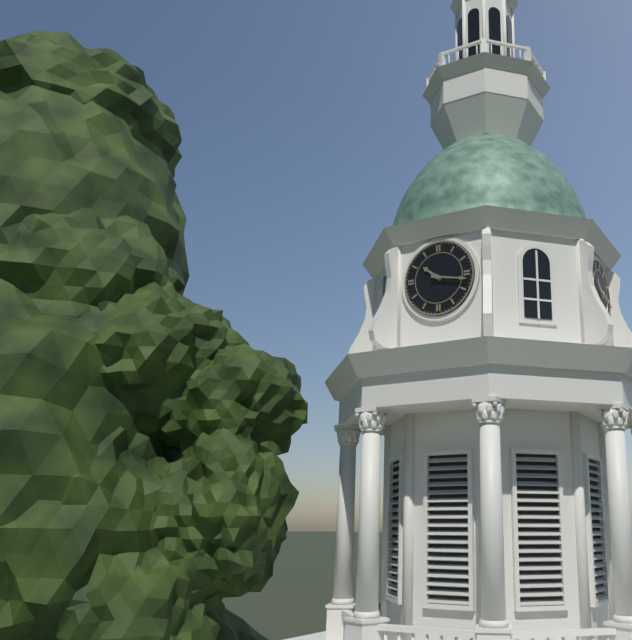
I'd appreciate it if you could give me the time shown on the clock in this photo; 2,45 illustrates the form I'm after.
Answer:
10,17
